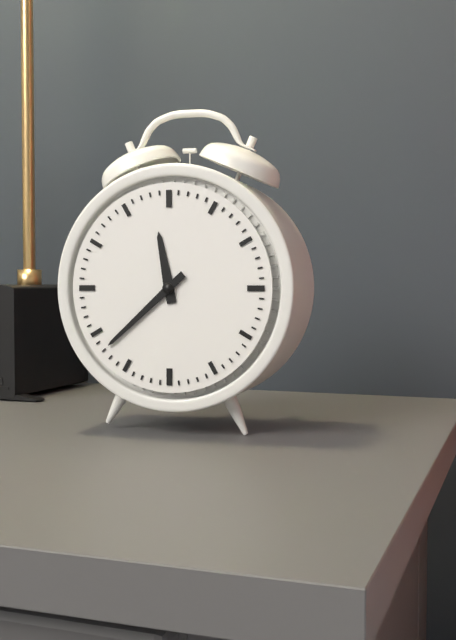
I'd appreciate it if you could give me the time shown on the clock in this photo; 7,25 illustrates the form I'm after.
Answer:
11,38
